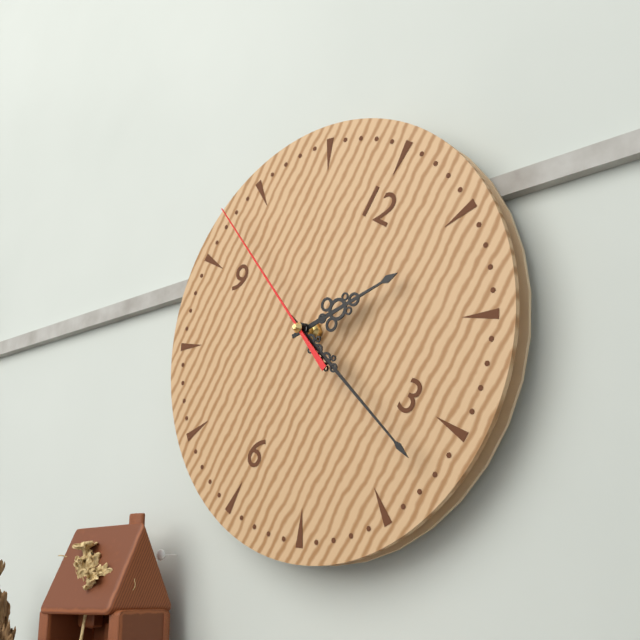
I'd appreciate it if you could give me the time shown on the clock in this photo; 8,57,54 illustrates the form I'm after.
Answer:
1,17,48
